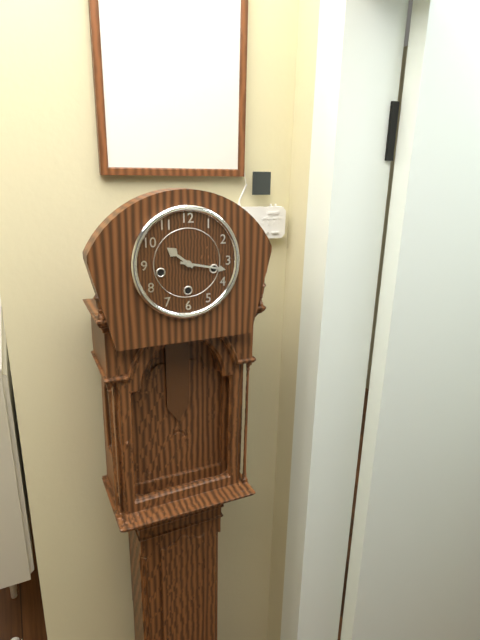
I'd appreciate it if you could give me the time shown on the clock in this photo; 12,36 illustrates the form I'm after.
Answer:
10,17
